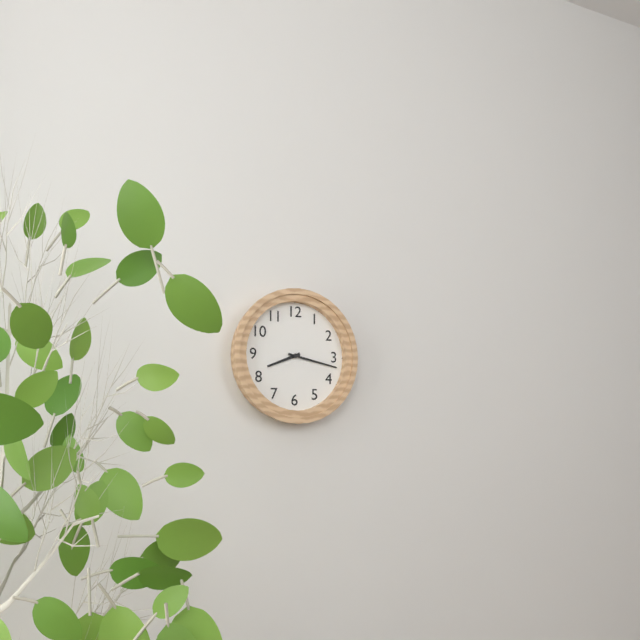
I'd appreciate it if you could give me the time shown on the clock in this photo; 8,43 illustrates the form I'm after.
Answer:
8,17
